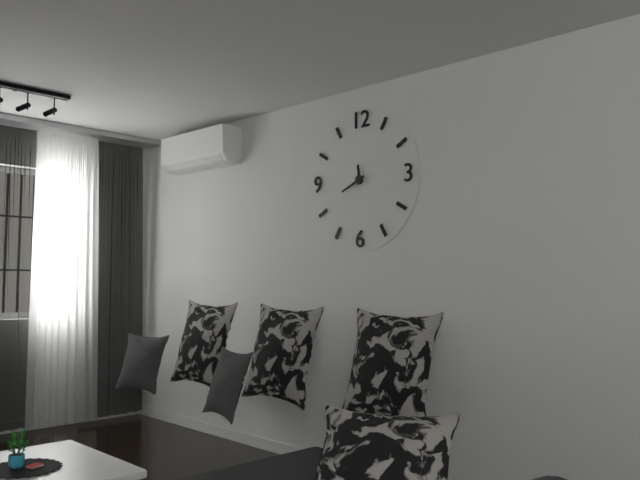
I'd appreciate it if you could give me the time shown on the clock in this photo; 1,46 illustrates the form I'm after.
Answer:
11,41
